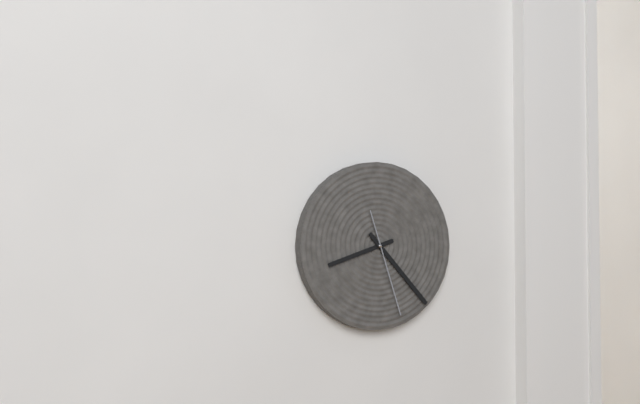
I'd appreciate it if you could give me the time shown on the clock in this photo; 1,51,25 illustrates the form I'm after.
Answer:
8,23,27
